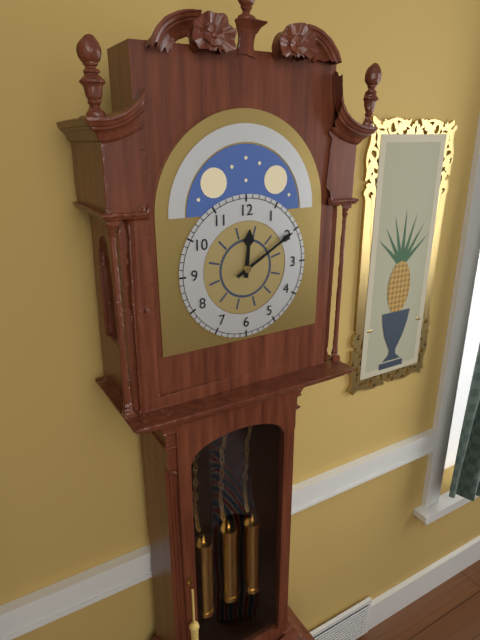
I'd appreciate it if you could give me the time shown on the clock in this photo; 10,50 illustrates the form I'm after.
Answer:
12,10
